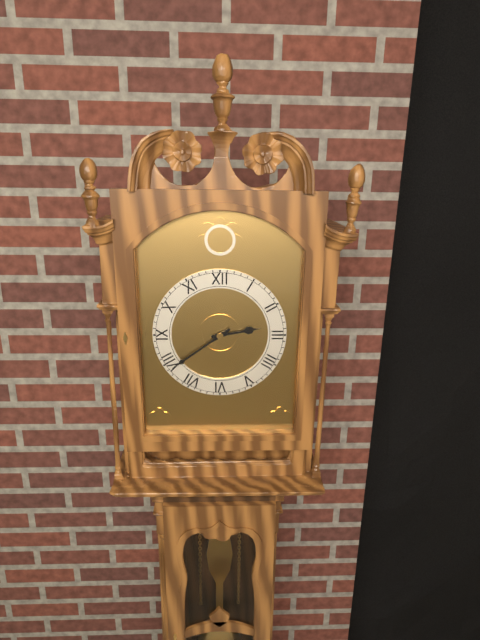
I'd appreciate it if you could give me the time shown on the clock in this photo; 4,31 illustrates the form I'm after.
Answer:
2,39
